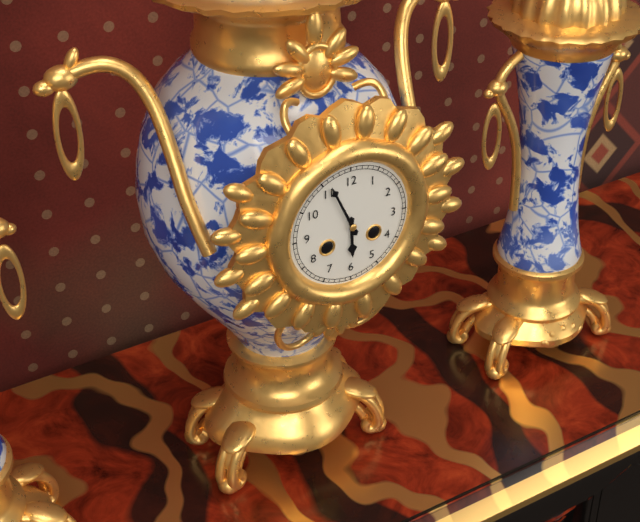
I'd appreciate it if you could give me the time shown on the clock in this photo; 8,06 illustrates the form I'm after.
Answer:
5,56
